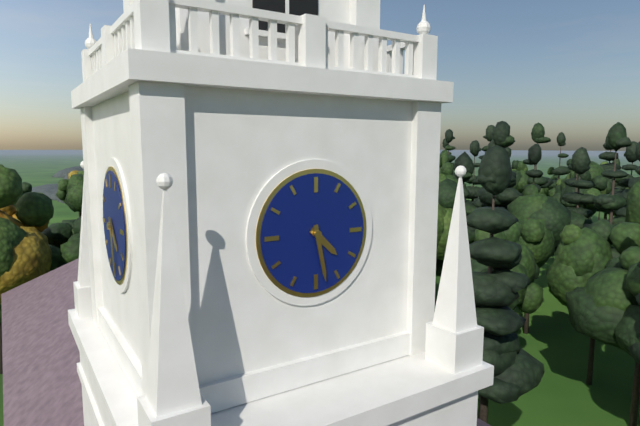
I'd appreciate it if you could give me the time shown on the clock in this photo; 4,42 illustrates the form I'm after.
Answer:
4,28
